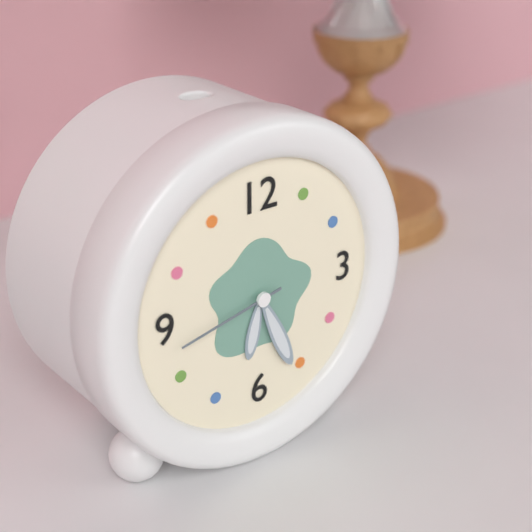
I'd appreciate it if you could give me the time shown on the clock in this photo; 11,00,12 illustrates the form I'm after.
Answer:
6,26,43
